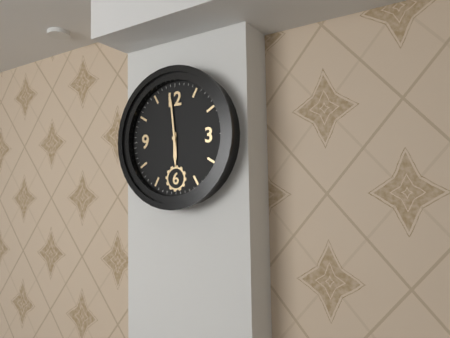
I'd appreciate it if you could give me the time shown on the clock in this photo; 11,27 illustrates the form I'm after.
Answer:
5,59
